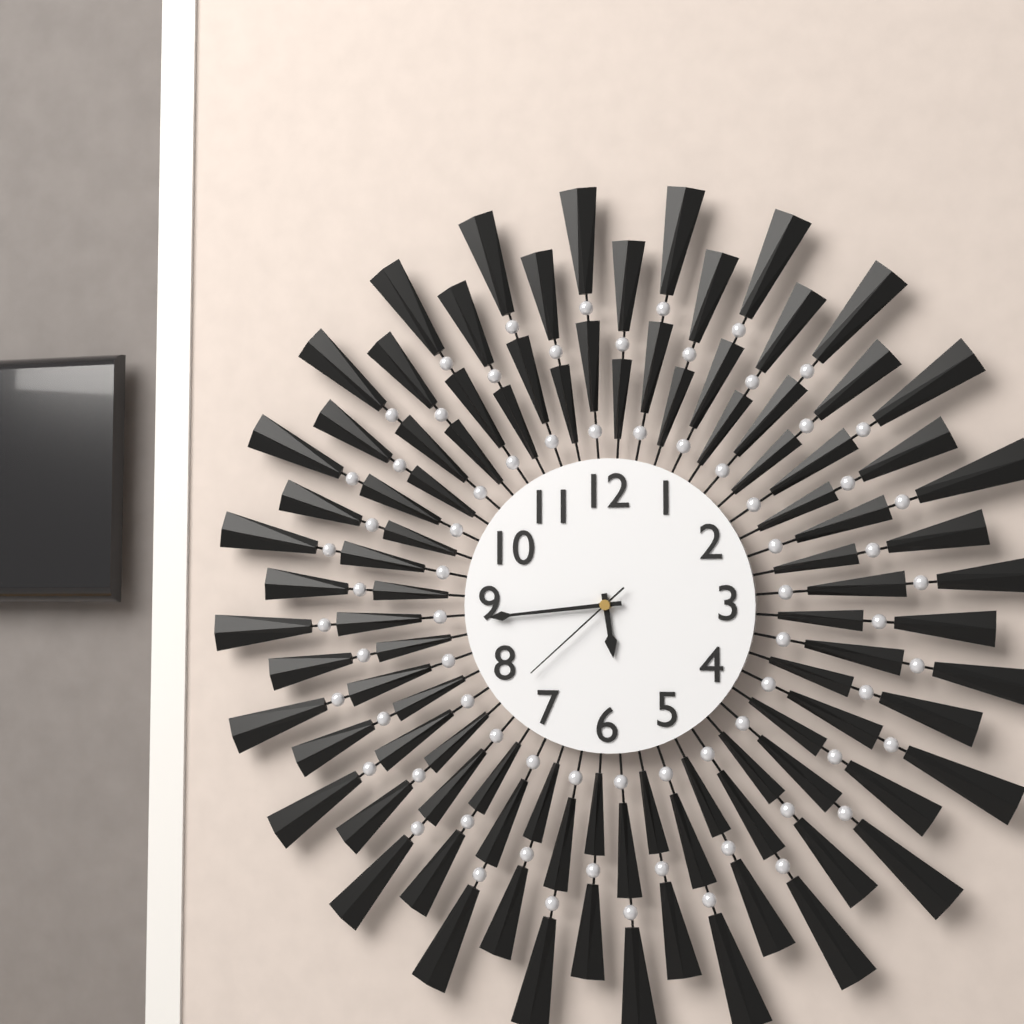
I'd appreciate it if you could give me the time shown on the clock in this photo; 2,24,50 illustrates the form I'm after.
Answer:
5,44,38
